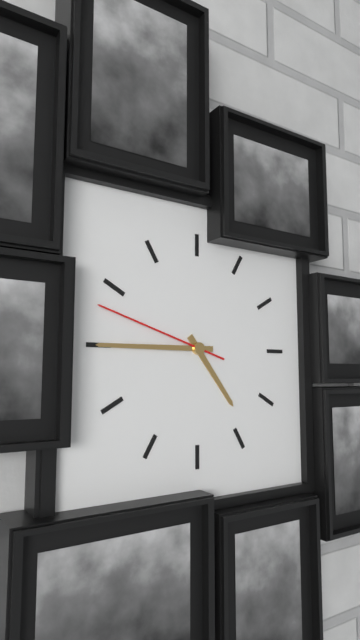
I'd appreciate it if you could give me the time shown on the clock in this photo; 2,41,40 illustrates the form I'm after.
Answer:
4,45,48
